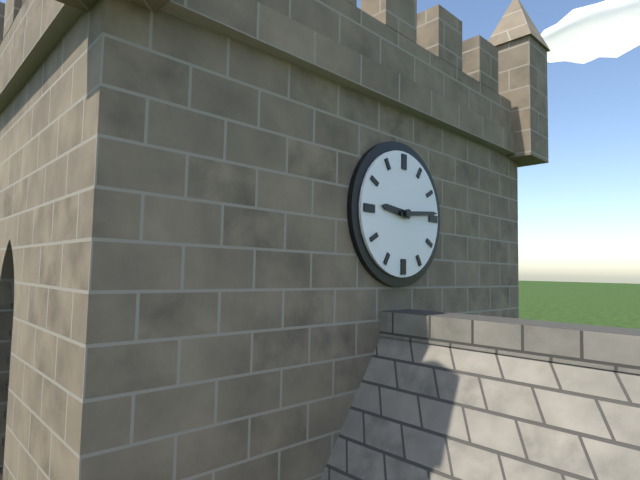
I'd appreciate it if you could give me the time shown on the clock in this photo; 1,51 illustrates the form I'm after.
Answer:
9,14
